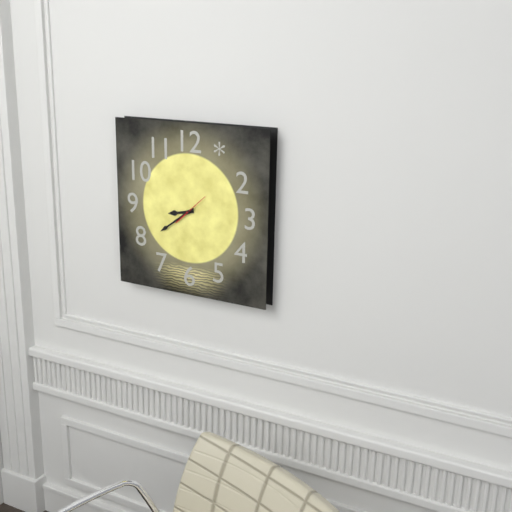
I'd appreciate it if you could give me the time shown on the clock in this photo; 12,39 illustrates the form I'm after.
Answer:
8,39
